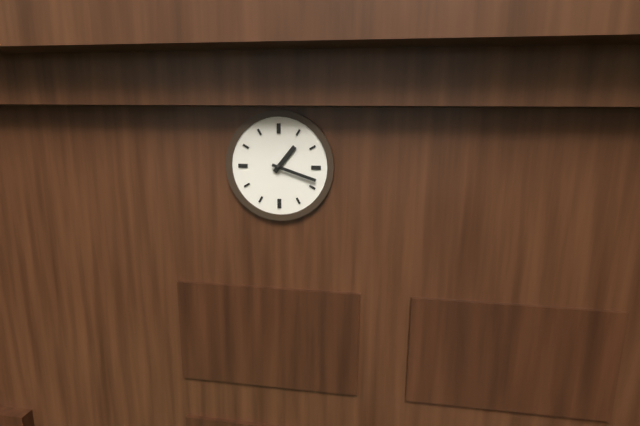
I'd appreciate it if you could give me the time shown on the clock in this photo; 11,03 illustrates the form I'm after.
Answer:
1,18
